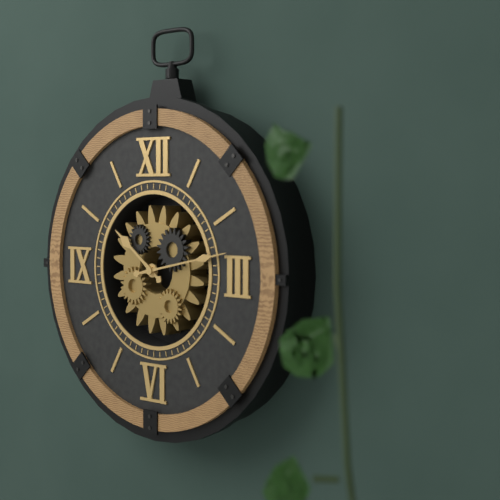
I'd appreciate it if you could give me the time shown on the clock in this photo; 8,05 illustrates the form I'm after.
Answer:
10,13
